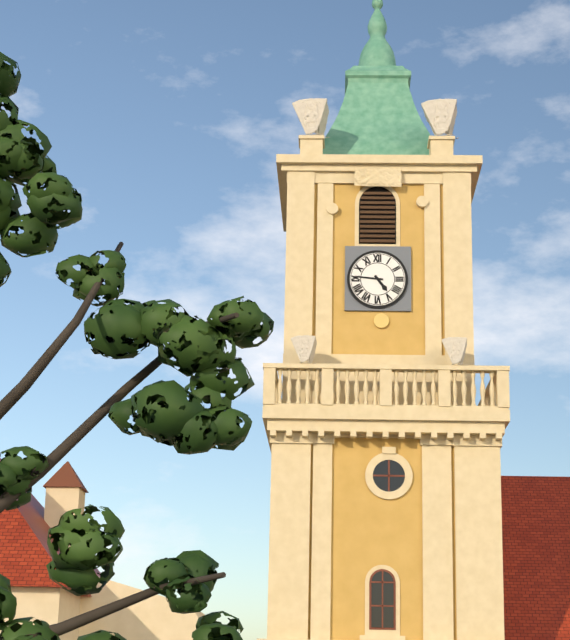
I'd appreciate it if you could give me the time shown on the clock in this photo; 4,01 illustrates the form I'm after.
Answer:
4,46
